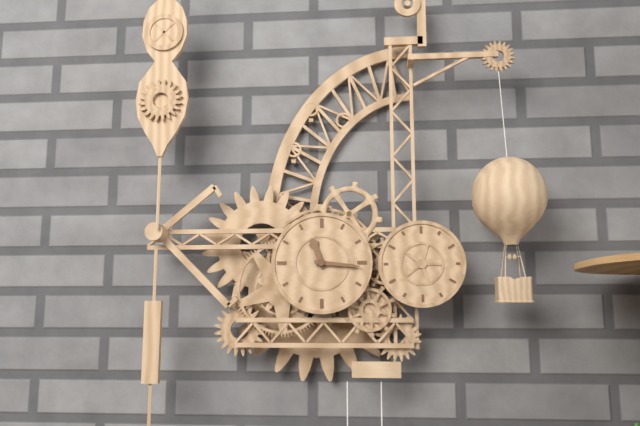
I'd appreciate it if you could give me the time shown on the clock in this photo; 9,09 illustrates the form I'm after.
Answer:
11,16
